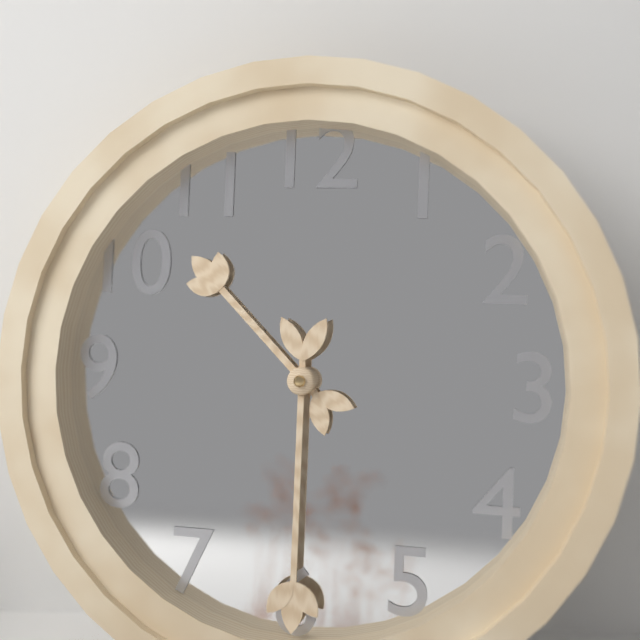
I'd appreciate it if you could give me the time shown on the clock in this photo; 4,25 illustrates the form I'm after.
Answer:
10,30
